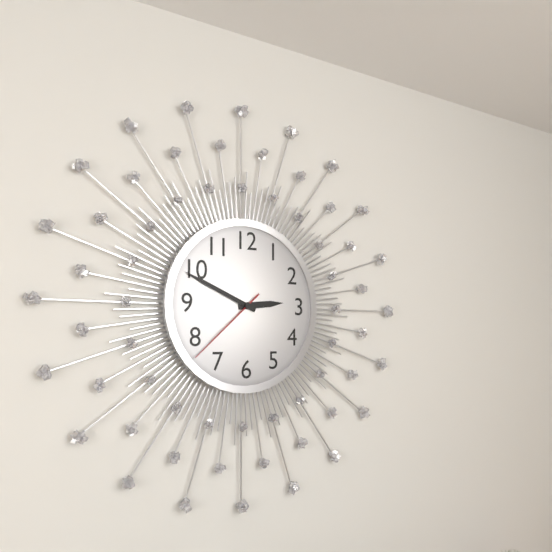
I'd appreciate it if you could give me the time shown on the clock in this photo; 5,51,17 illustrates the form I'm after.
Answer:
2,49,38
